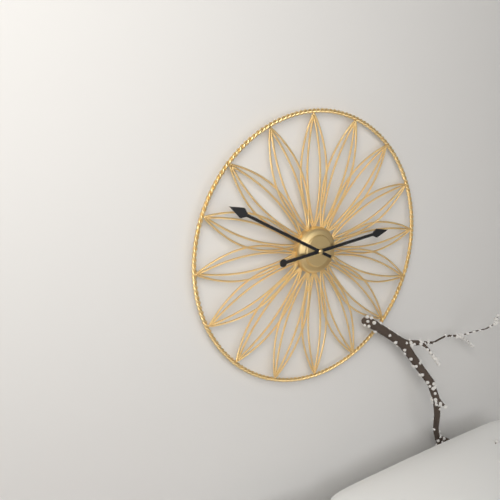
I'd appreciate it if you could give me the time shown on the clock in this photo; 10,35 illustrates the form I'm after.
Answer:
2,50
